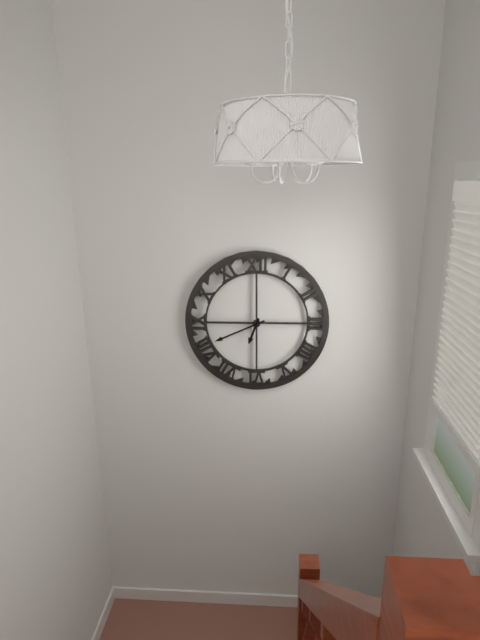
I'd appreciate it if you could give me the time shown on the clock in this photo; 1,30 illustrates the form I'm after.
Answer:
6,41
